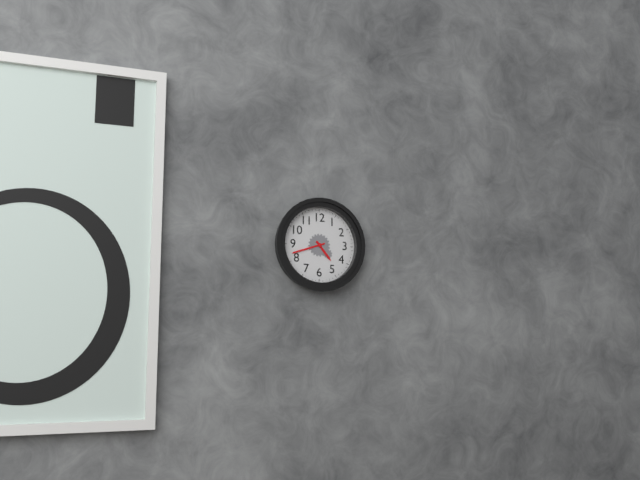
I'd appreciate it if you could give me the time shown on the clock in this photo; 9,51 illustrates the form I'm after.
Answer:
4,42
